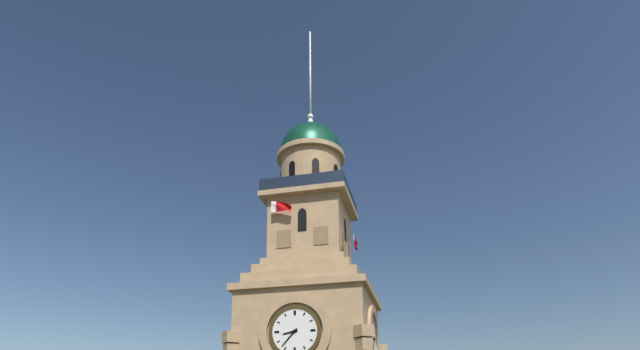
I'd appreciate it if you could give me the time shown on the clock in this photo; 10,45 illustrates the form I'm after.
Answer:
8,37
